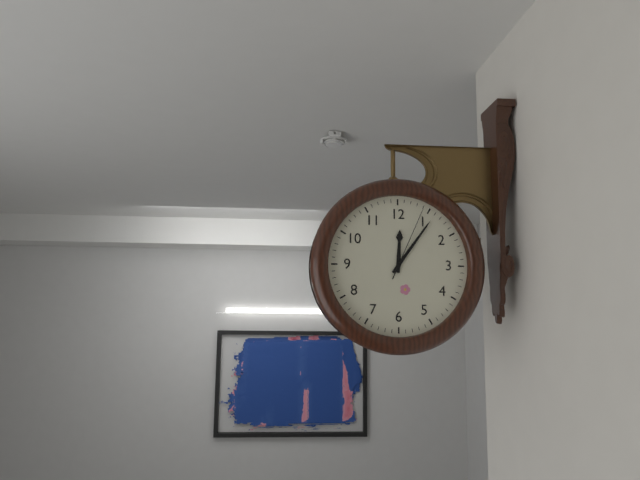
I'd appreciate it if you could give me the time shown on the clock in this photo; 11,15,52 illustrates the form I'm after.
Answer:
12,06,04
